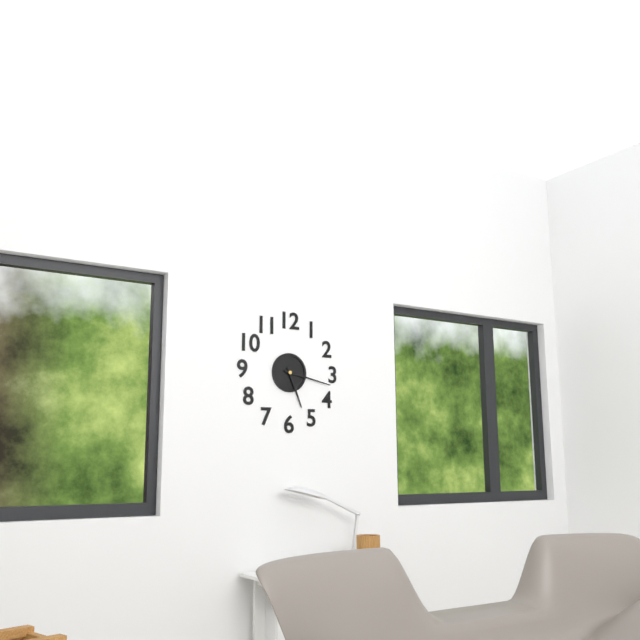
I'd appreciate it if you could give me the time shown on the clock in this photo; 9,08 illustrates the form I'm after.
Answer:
5,17
